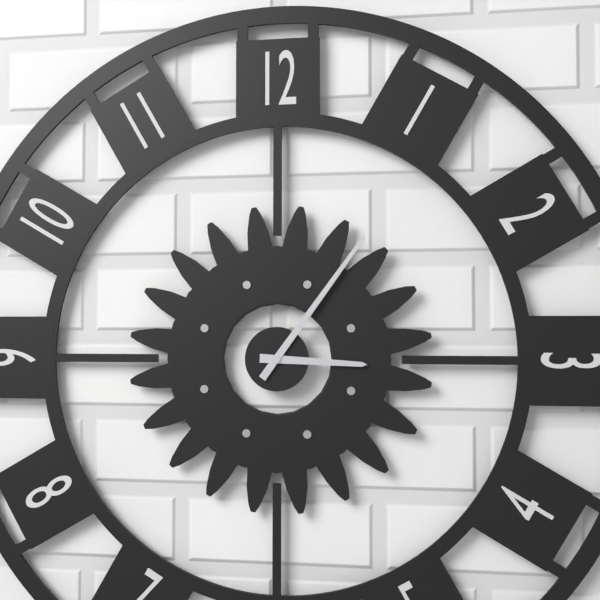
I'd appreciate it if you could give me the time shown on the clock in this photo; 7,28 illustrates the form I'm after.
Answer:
3,06
